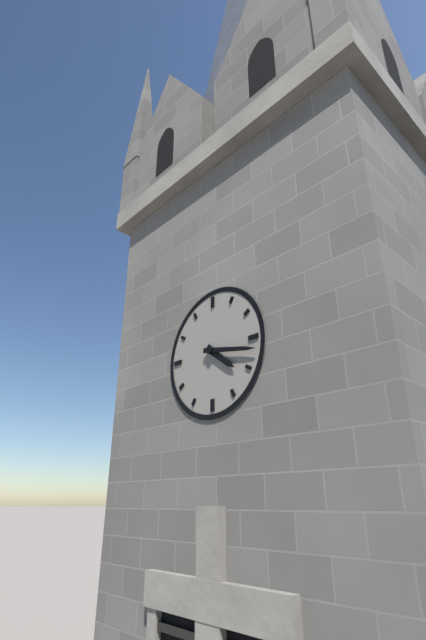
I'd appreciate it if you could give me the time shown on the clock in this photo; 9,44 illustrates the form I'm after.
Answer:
4,17
